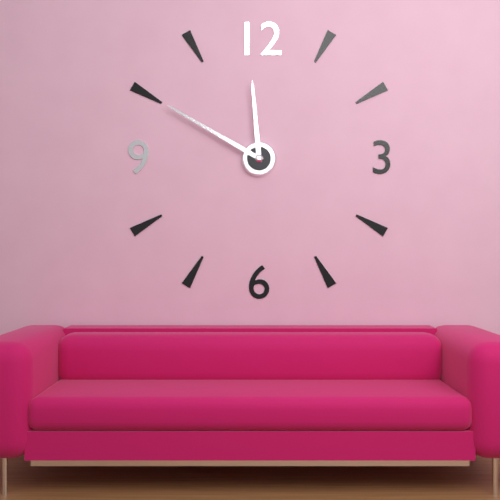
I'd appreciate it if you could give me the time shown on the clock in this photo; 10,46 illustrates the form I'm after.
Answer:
11,50
